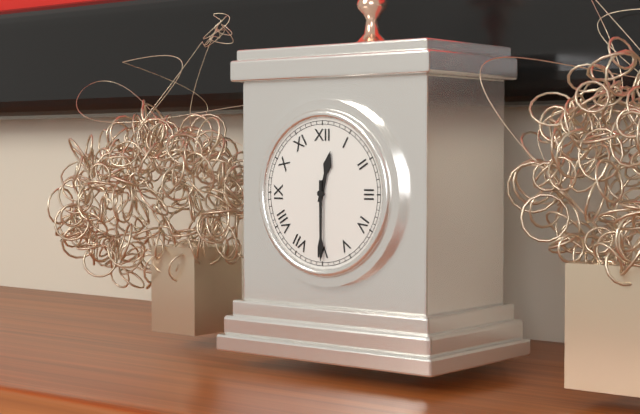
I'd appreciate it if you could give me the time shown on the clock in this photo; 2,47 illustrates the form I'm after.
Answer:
12,30
